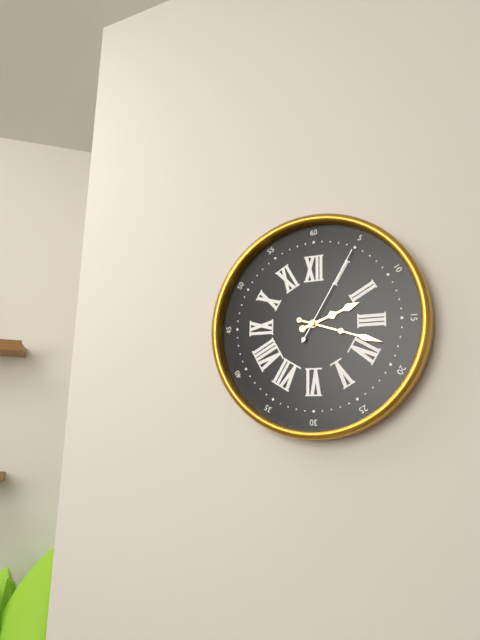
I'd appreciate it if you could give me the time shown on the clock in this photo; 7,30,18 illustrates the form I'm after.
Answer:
2,18,05
